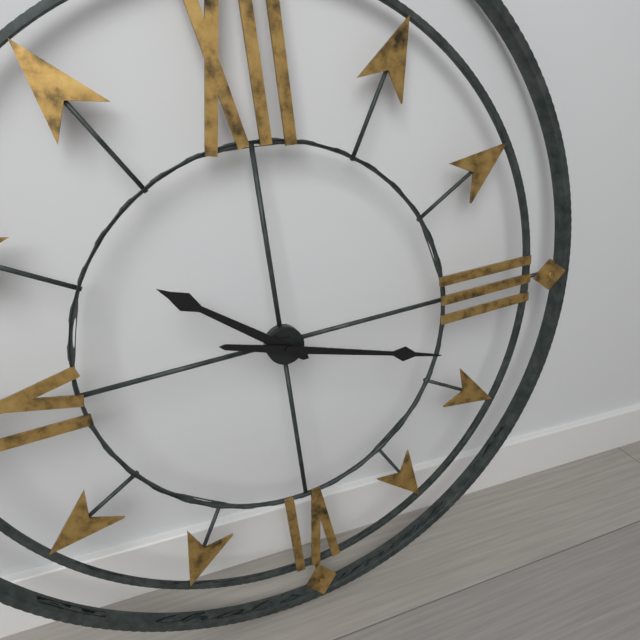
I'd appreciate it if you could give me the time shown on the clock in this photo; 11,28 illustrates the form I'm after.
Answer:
10,18
